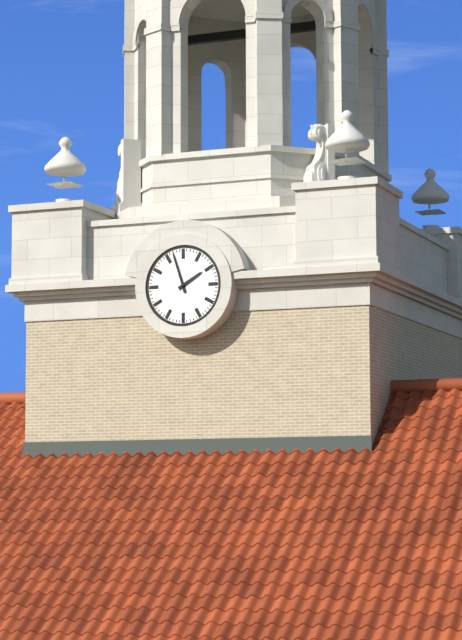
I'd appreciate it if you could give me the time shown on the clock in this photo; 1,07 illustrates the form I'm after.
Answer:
1,57
